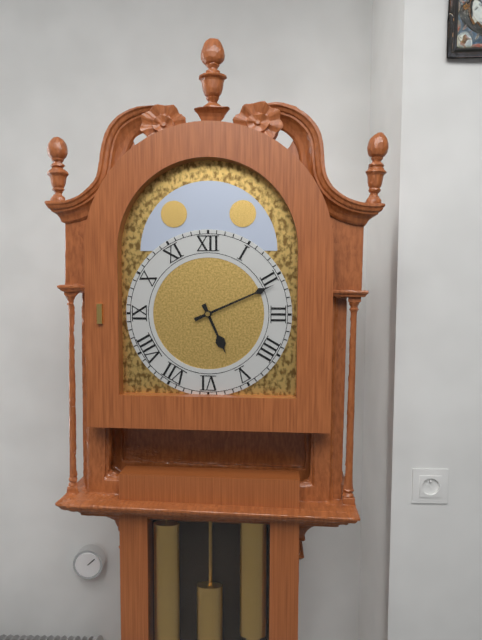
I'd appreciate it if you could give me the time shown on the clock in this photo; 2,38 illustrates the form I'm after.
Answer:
5,11
